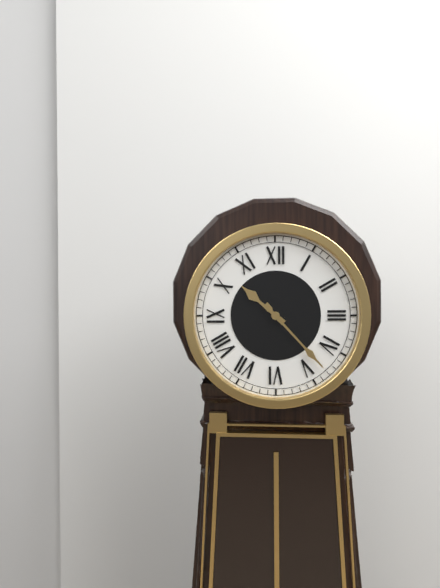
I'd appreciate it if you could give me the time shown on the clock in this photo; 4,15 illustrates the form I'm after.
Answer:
10,23
